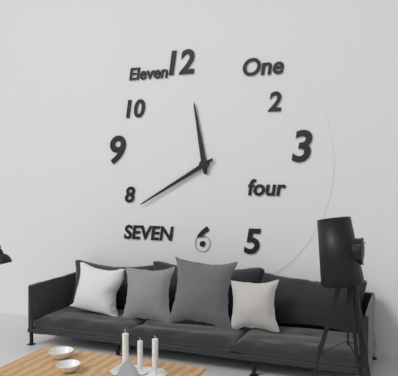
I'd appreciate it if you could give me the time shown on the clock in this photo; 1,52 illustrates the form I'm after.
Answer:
11,40
